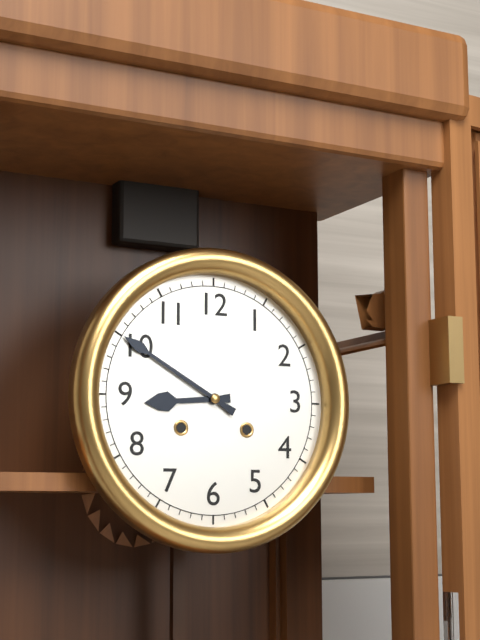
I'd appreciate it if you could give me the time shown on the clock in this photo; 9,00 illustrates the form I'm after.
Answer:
8,50
